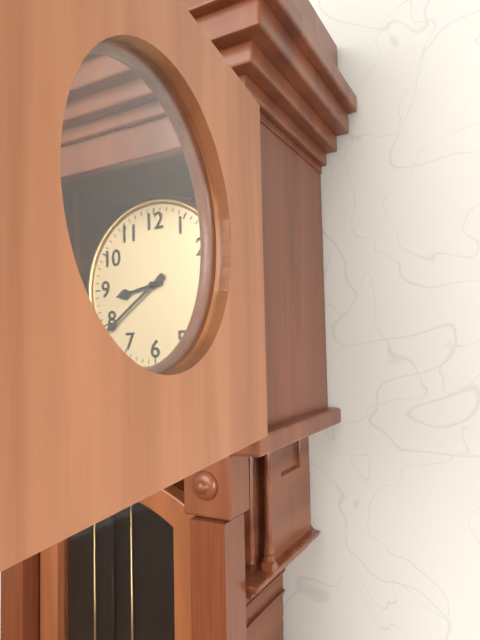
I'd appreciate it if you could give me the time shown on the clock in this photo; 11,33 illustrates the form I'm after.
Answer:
8,39
